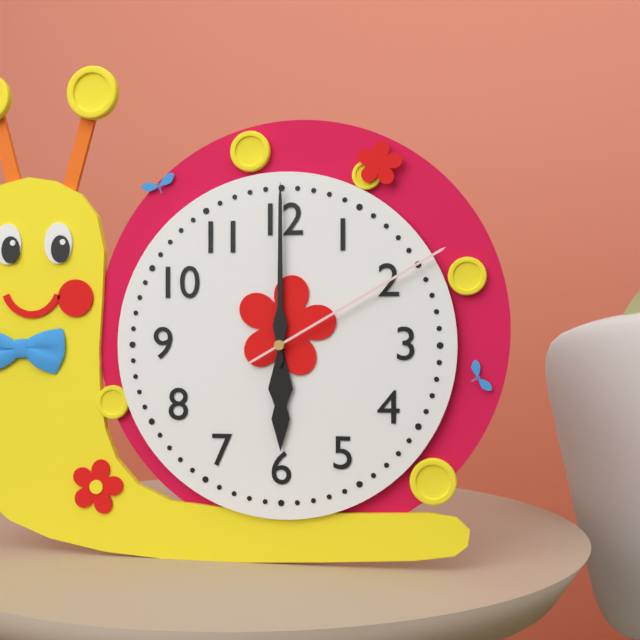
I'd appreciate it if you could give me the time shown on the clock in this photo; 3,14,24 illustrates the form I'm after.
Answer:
6,00,10
